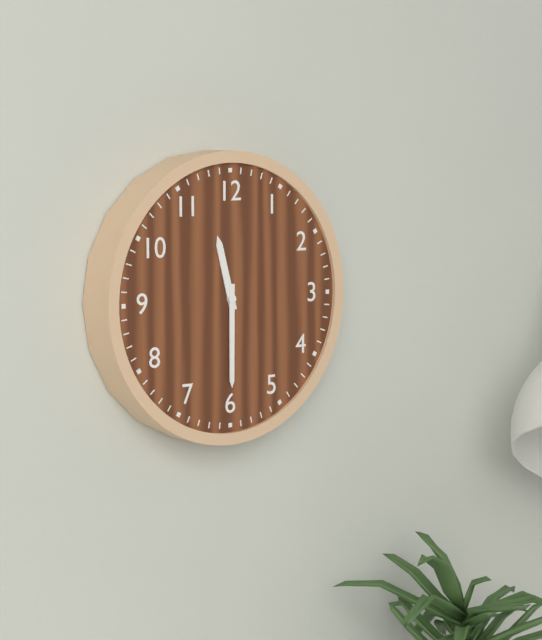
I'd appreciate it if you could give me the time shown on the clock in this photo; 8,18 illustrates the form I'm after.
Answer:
11,30
